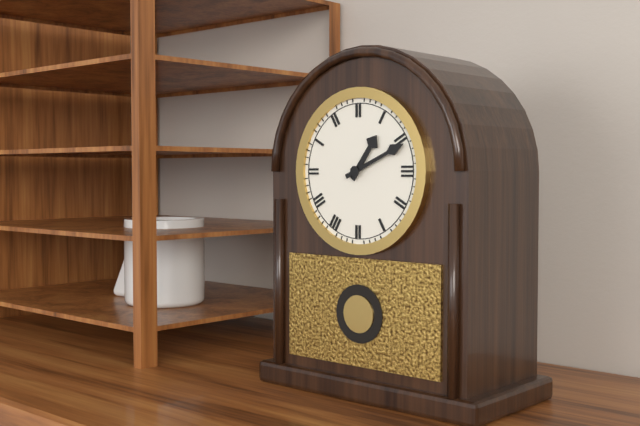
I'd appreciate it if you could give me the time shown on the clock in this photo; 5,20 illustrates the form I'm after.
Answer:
1,11
